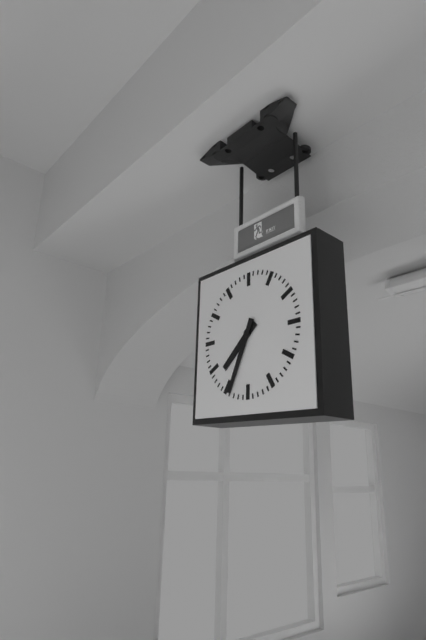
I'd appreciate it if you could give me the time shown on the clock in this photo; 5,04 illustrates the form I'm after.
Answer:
7,34
